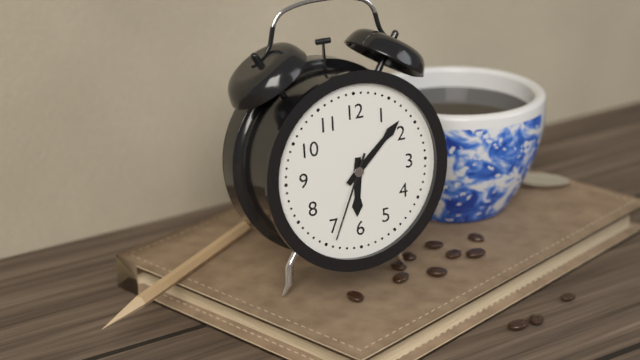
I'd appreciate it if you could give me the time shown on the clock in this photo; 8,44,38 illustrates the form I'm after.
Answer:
6,08,34
